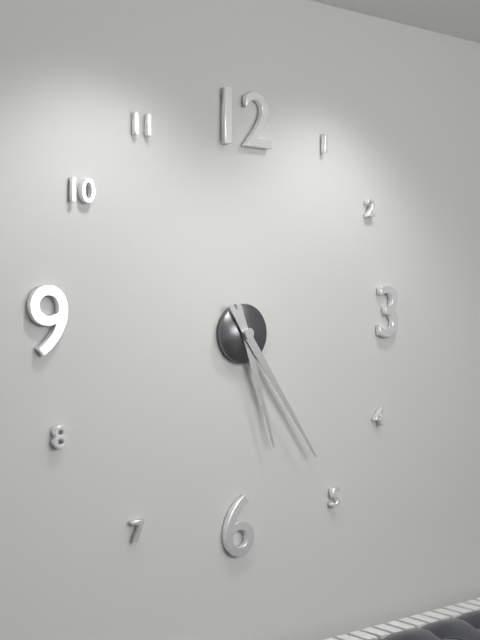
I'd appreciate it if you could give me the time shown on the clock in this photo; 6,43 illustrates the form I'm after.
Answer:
5,24
